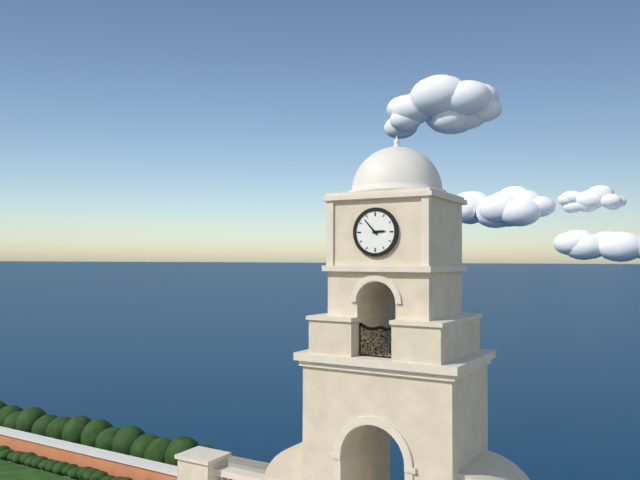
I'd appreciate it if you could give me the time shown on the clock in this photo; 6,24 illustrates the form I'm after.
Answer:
2,53
